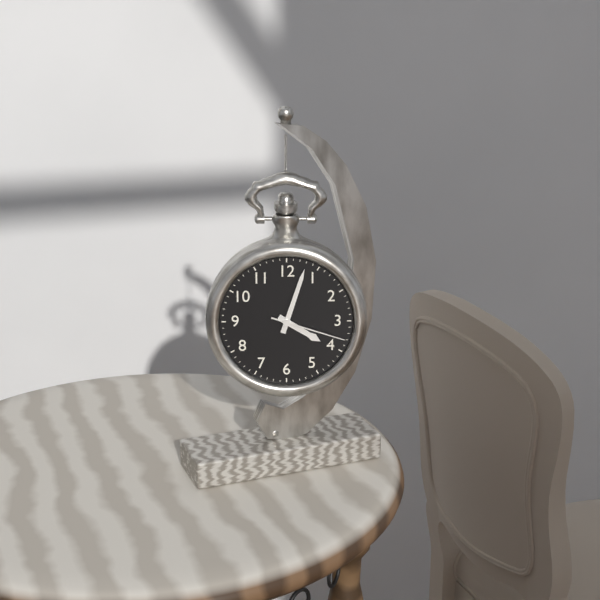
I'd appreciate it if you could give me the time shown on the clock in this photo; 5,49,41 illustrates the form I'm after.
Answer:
4,03,18
